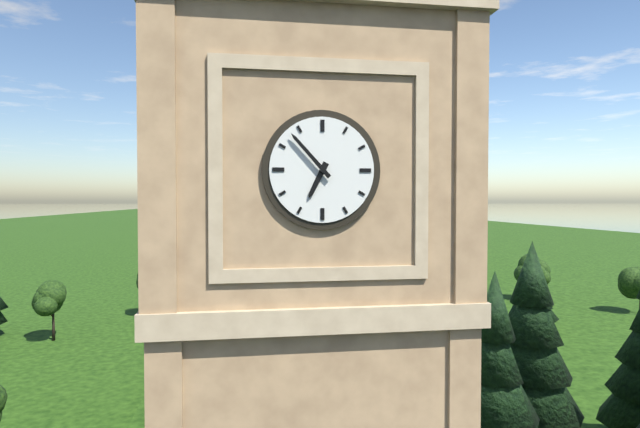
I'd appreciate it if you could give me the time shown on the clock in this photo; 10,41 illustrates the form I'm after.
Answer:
6,53
